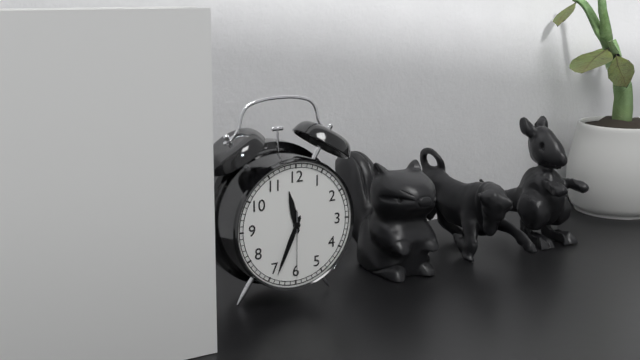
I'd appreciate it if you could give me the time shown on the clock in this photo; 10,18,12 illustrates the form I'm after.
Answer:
11,34,30
